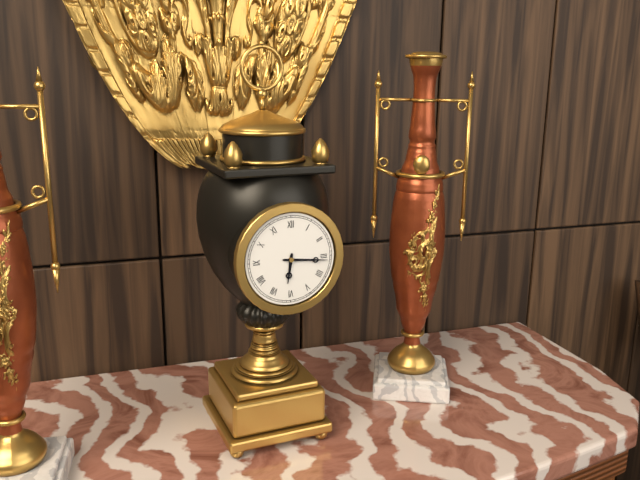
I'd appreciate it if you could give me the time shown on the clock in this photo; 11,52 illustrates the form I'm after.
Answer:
6,16
